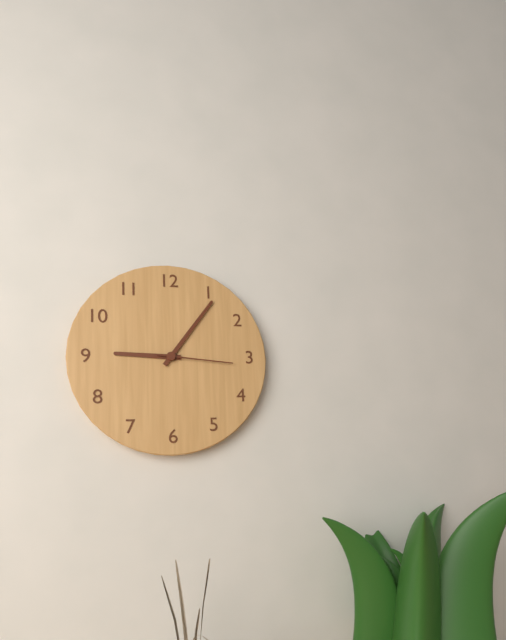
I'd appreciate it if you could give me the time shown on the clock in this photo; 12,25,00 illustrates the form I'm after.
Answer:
9,06,16
